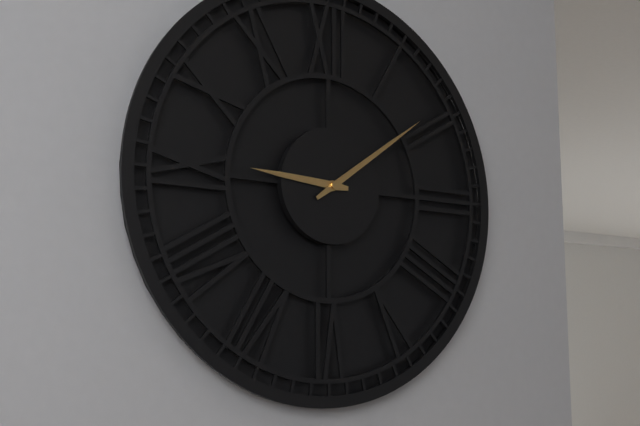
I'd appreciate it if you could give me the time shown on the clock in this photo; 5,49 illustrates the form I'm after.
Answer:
9,09
